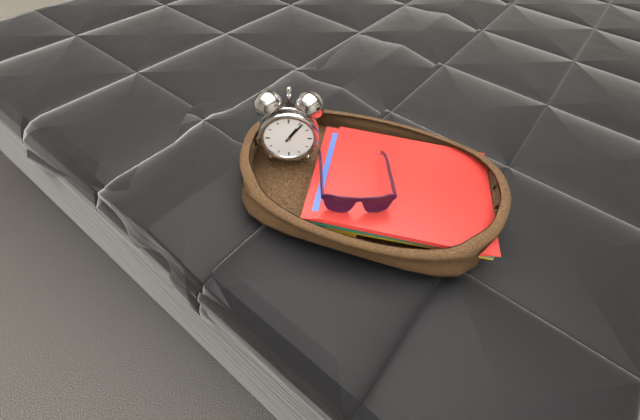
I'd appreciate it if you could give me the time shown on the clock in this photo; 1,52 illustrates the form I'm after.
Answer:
1,06
